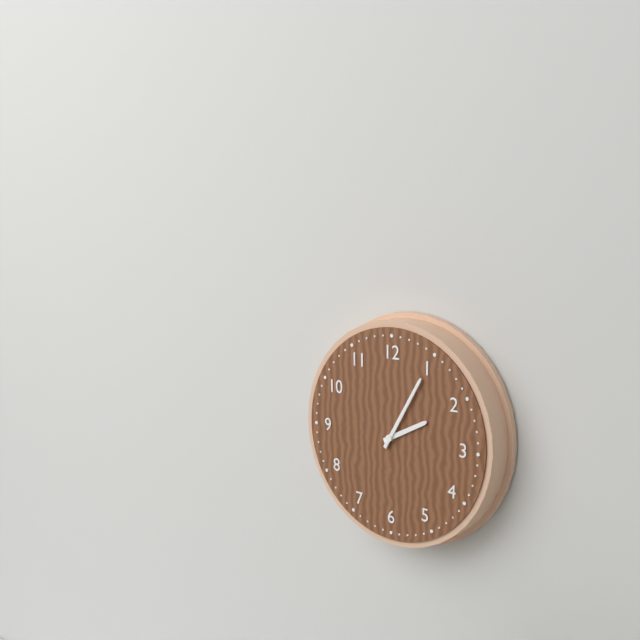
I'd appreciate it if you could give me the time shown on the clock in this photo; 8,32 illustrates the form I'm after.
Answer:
2,05
